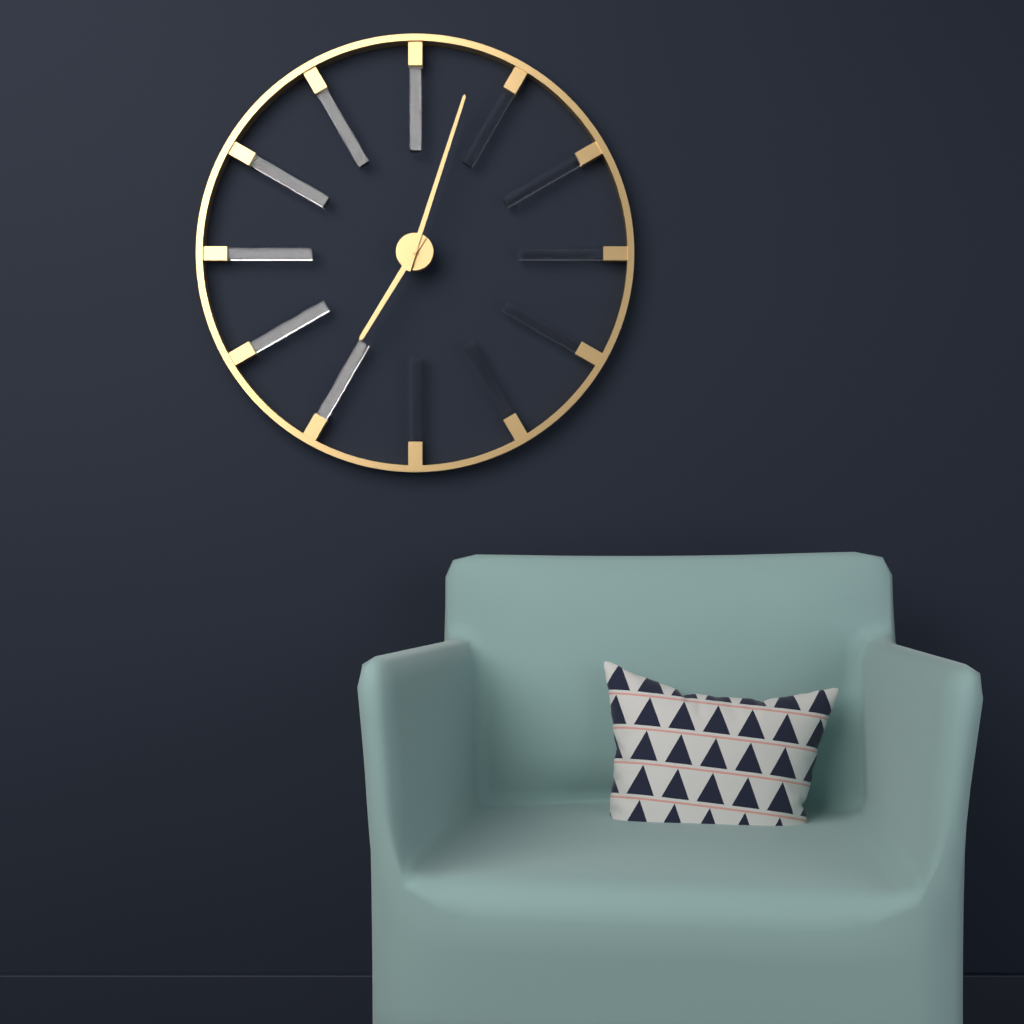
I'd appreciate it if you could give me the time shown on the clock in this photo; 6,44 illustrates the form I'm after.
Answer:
7,03
